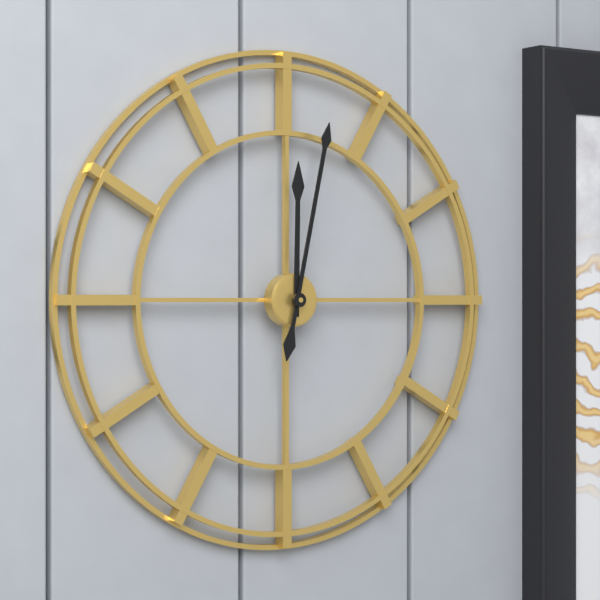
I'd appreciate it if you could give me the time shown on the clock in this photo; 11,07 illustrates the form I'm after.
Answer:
12,02
